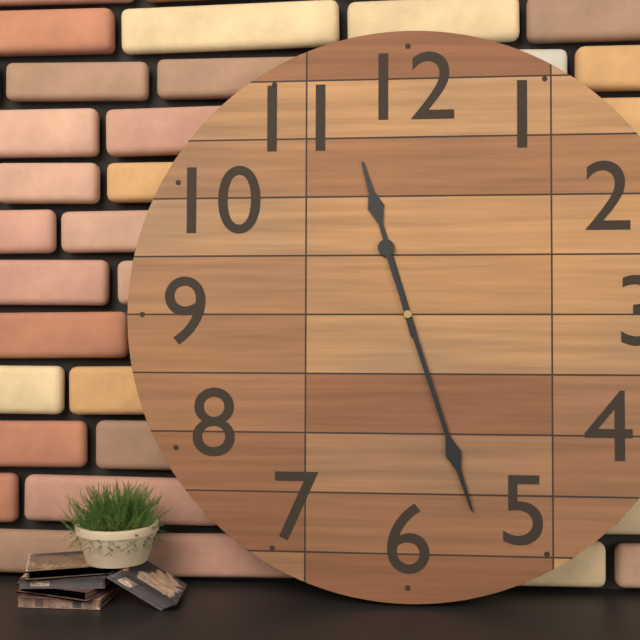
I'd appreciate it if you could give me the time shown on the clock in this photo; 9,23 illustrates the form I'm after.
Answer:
11,27
